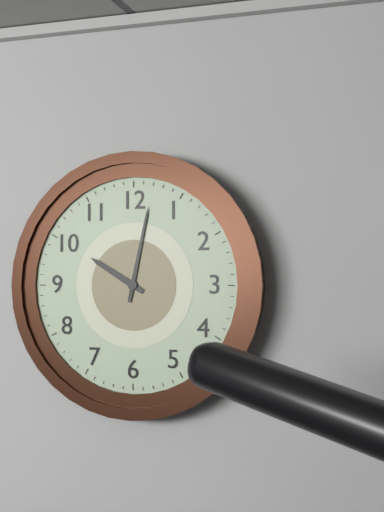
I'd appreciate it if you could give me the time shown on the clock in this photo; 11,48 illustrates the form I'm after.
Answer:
10,02
